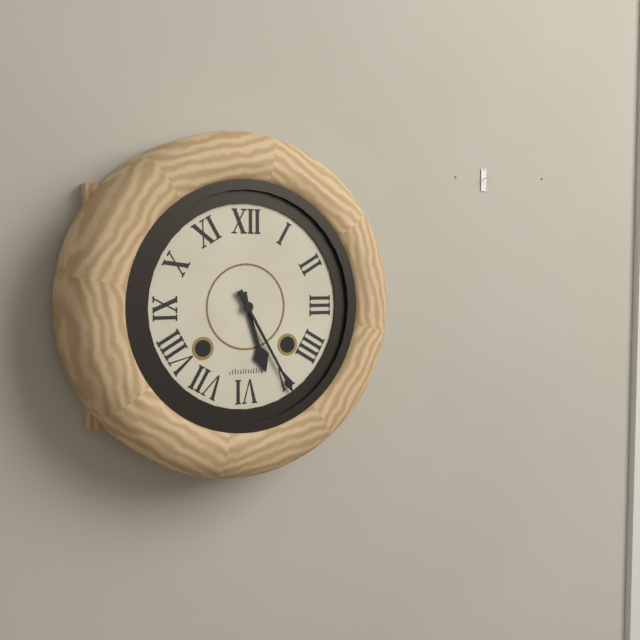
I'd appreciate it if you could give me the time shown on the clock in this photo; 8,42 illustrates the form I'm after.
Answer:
5,25
